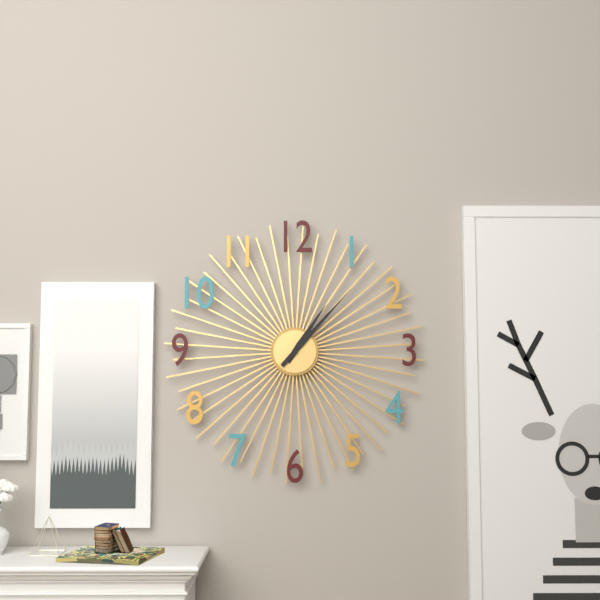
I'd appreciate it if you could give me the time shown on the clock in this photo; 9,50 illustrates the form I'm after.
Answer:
1,07
